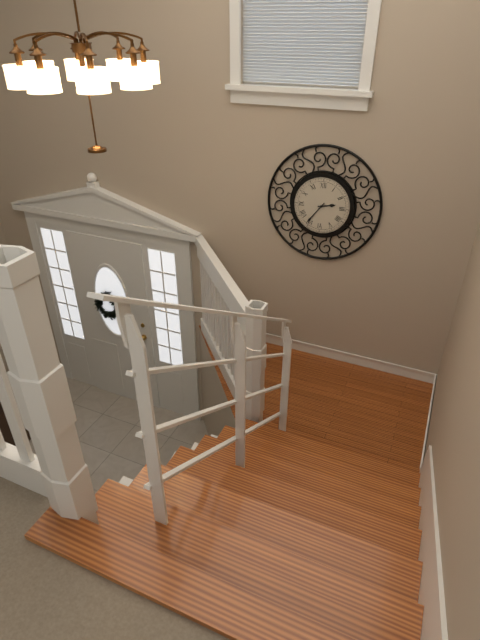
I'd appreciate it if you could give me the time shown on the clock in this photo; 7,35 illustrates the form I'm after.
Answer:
2,36
